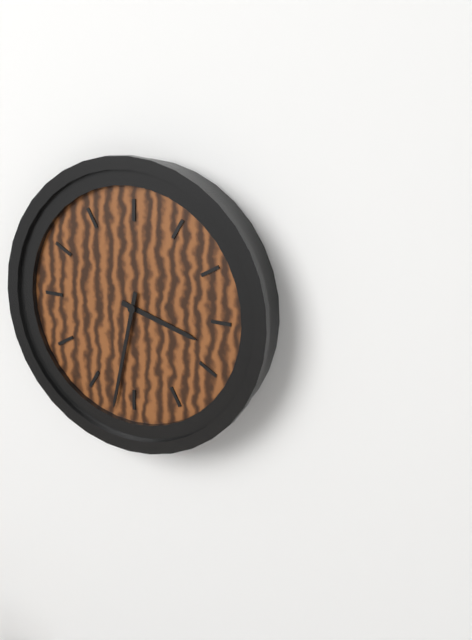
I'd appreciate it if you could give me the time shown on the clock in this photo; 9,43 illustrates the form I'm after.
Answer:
3,32
